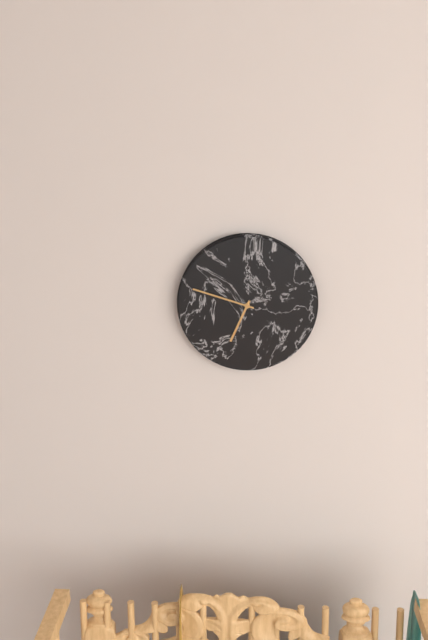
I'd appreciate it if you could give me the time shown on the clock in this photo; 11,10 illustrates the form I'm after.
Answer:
6,48
